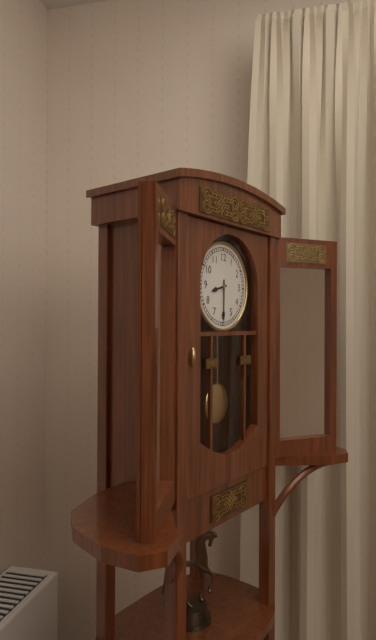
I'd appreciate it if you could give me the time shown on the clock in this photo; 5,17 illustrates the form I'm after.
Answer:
8,30
